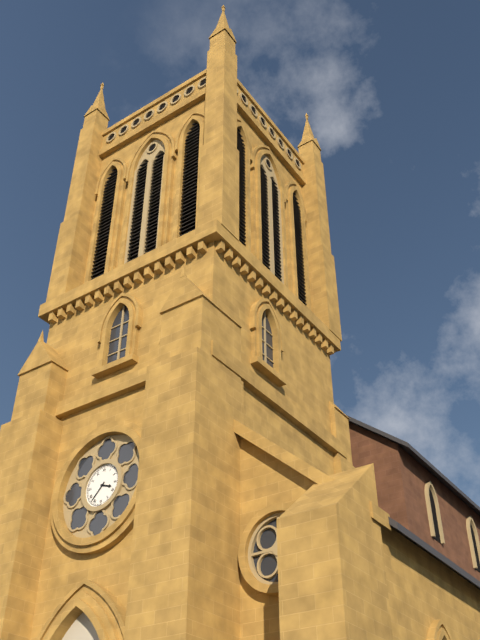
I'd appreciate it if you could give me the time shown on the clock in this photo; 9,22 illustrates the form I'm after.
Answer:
3,37
